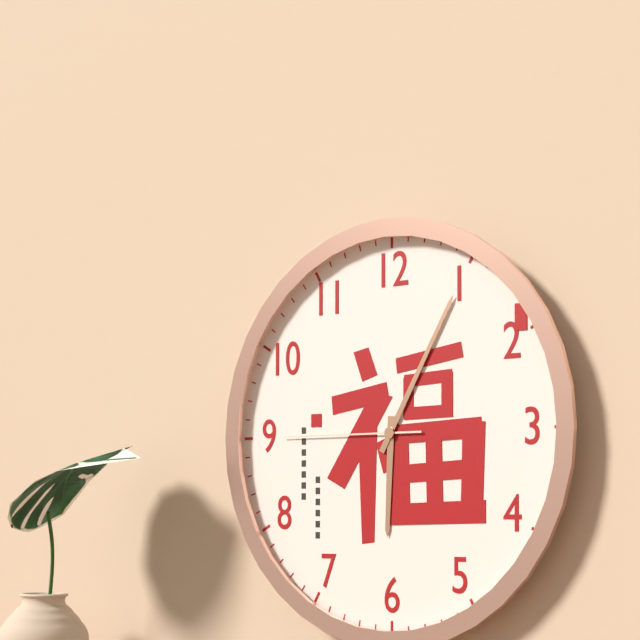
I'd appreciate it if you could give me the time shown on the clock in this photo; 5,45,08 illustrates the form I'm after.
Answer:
6,05,45
